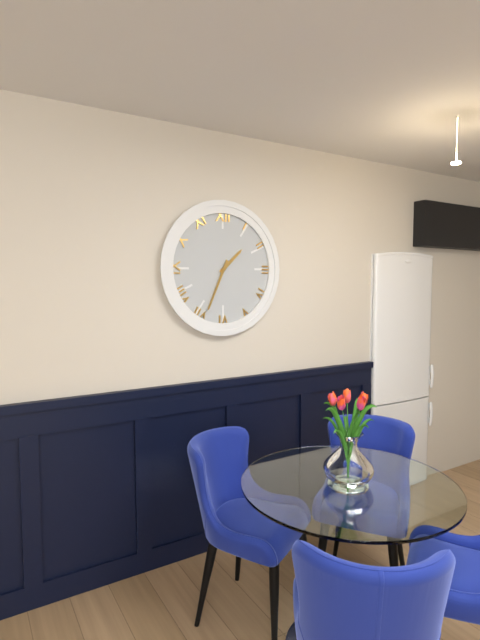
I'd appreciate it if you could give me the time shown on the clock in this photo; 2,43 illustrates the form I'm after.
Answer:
1,34
